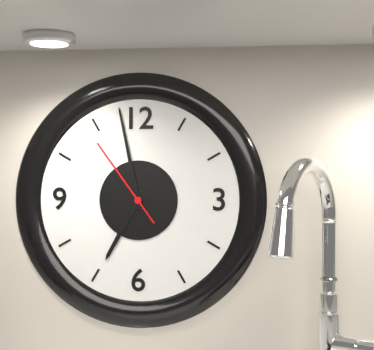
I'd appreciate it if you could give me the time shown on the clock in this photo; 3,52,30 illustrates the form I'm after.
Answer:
6,58,54
